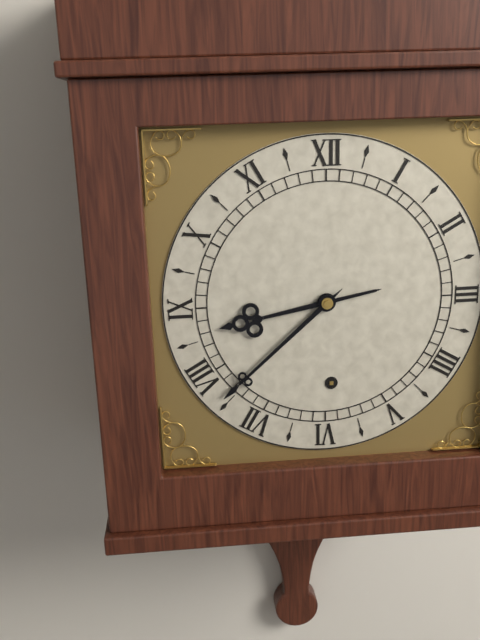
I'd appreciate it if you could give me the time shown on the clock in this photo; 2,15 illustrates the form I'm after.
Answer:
8,38
